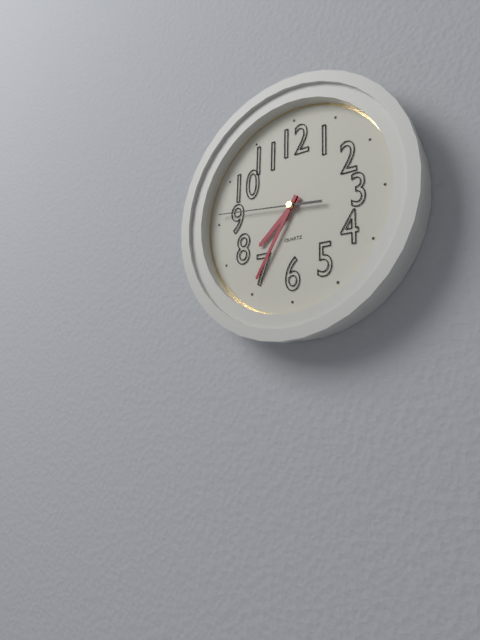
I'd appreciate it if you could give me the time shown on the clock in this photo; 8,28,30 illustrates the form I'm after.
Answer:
7,35,46
